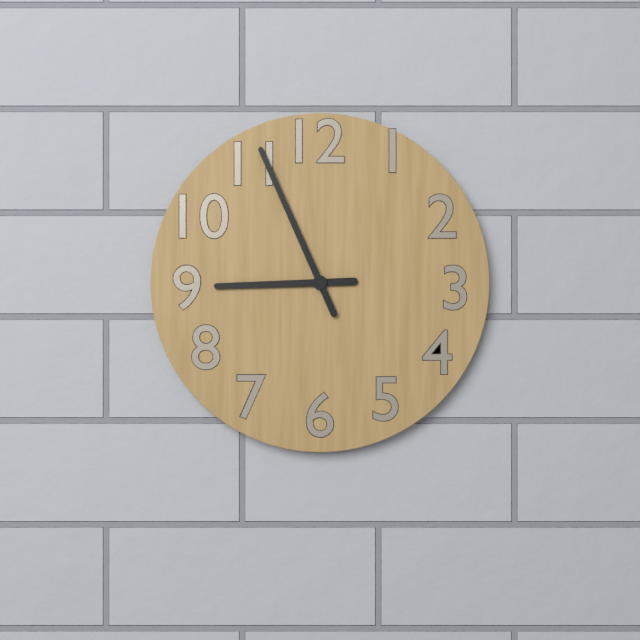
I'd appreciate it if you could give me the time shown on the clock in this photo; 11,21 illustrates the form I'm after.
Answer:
8,56
